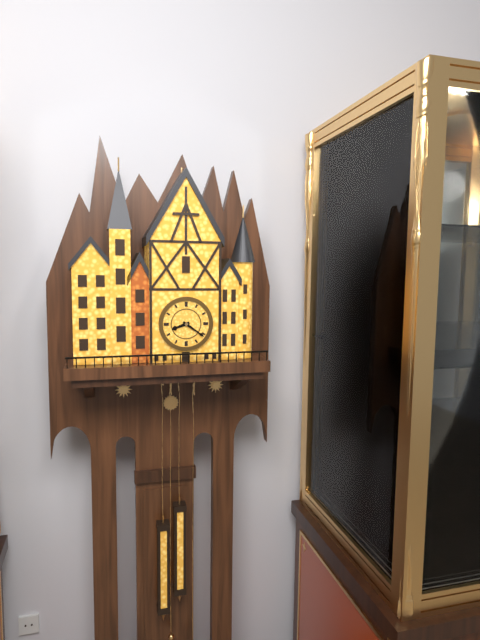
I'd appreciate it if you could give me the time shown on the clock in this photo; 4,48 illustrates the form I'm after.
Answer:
8,21
